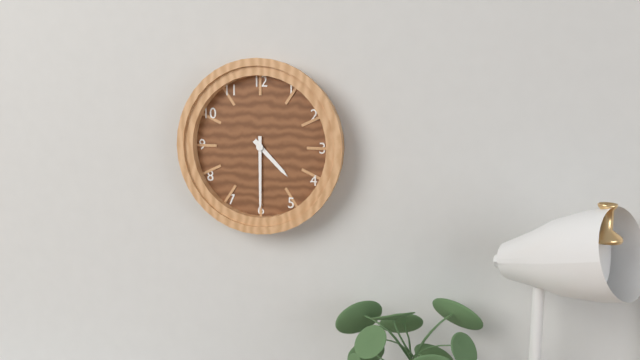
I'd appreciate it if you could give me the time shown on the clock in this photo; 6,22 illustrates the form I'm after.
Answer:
4,30
